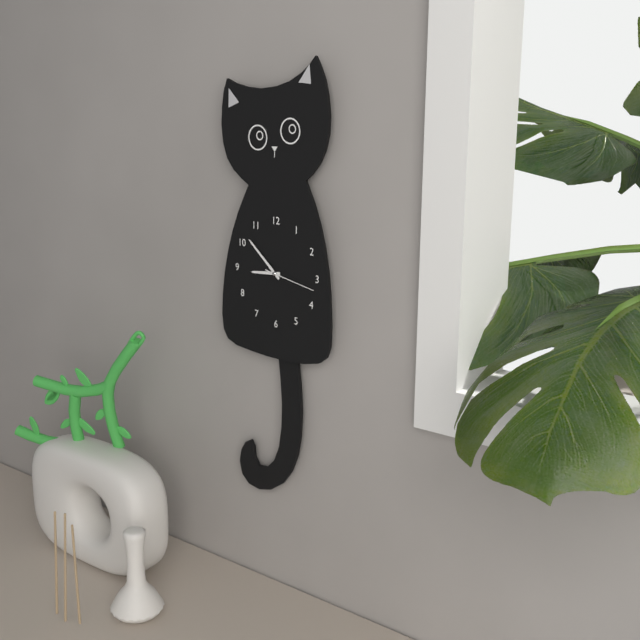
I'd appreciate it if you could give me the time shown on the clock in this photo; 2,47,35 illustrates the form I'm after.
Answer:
8,52,17
